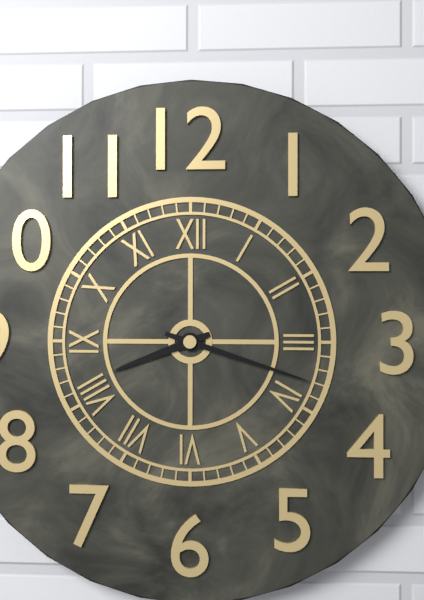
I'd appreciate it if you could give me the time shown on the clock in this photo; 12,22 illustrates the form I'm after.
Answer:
8,18
